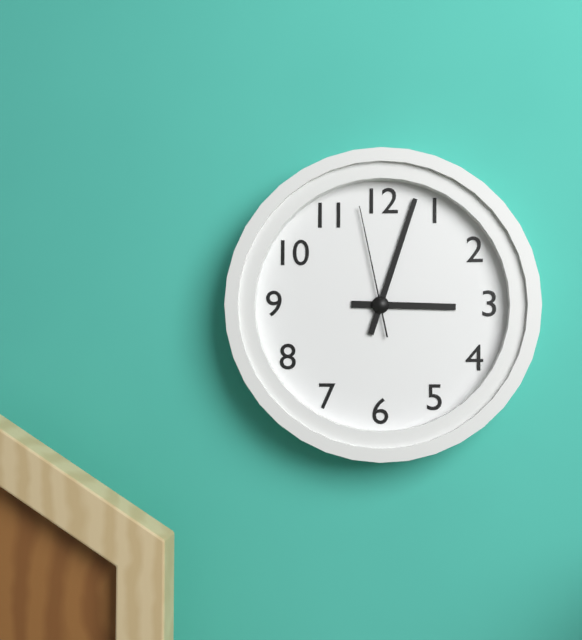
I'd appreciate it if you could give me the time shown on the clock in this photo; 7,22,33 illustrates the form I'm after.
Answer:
3,03,58
